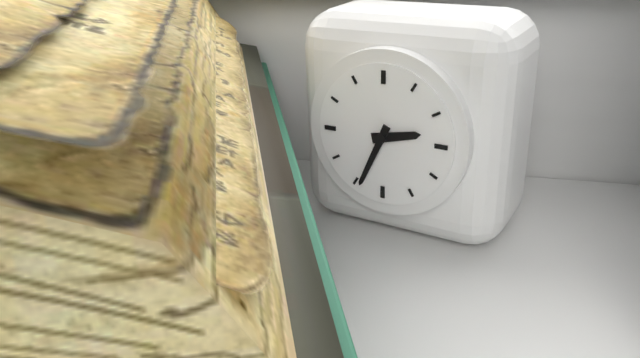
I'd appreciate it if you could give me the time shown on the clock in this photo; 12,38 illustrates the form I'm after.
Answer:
2,34
